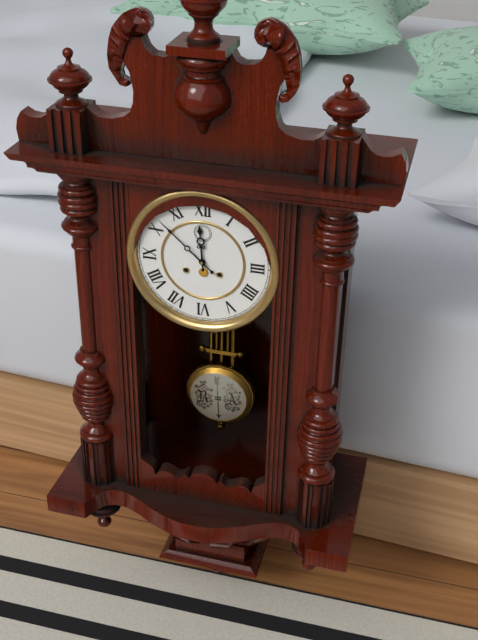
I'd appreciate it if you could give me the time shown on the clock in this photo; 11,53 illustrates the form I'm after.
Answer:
11,52
